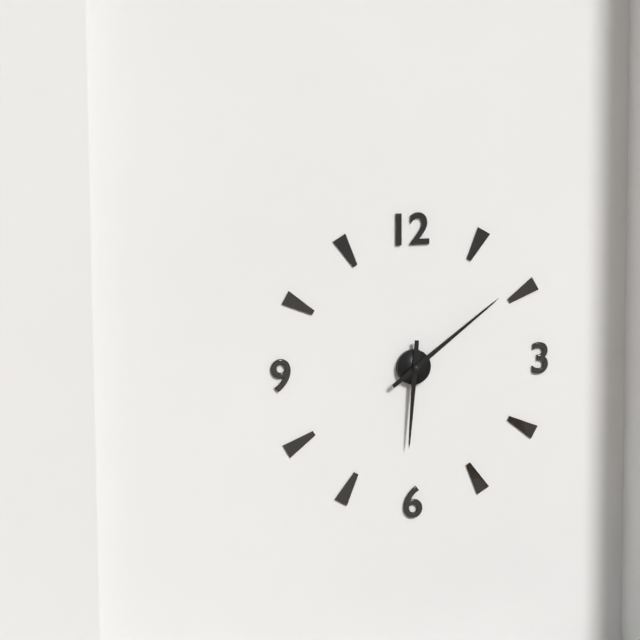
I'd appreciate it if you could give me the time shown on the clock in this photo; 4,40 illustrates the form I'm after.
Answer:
6,09
